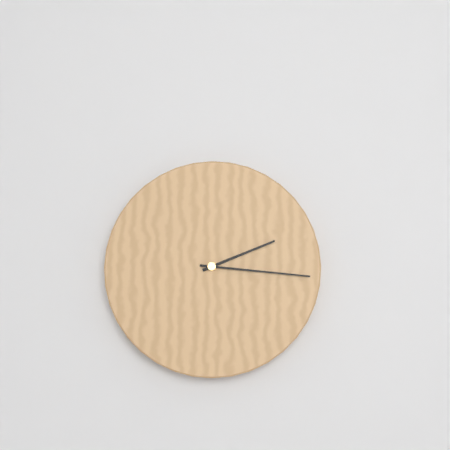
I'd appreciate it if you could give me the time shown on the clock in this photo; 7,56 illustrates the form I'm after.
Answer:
2,16
